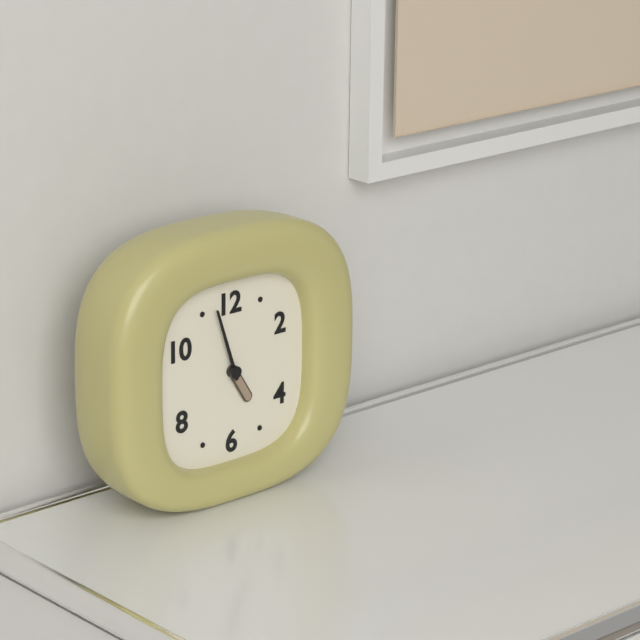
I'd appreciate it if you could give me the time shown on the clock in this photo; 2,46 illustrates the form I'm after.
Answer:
4,57
